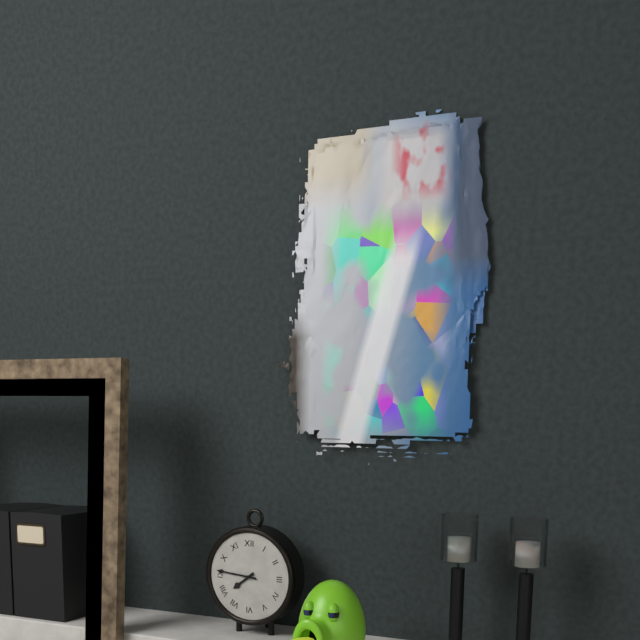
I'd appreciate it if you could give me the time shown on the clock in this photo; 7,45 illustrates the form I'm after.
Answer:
7,46
